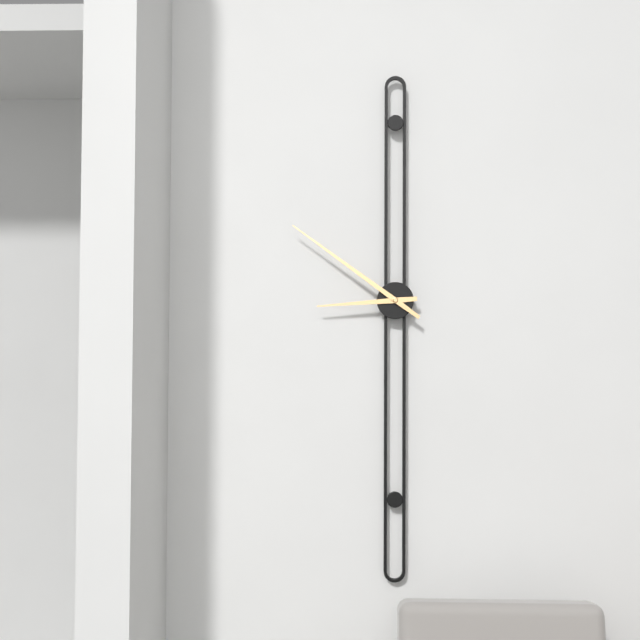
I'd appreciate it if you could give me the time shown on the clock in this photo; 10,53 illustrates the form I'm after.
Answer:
8,51
